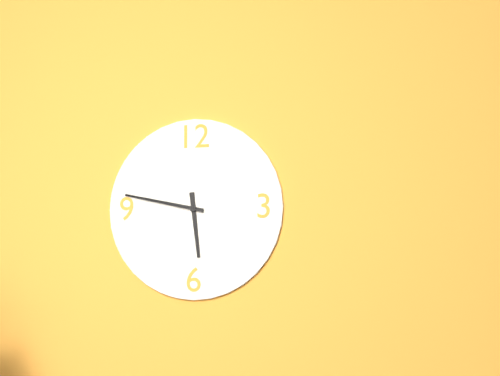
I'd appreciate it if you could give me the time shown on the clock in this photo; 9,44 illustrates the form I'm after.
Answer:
5,47
